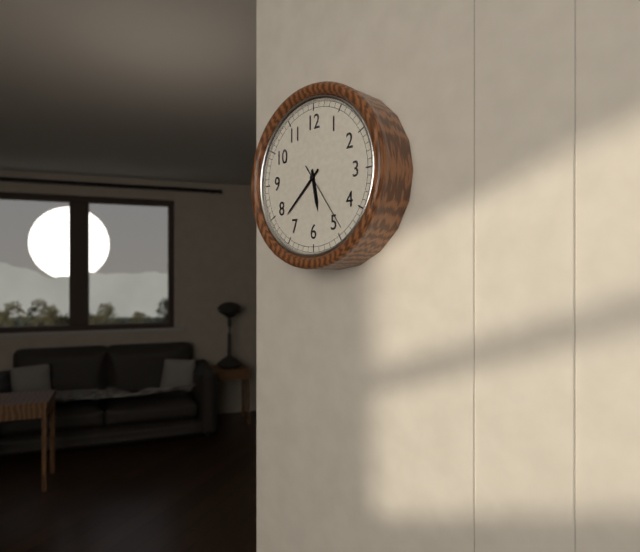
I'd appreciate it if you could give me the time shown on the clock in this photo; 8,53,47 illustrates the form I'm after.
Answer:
5,38,24
